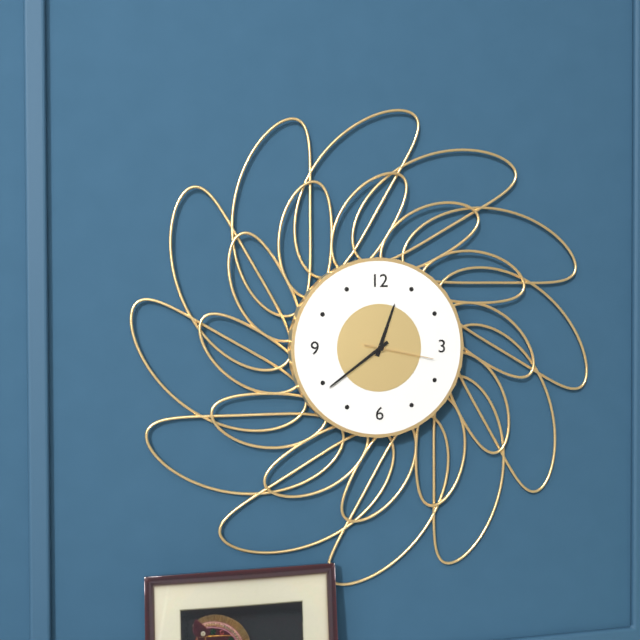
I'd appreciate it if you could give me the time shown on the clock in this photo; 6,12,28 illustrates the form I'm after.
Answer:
12,39,17
